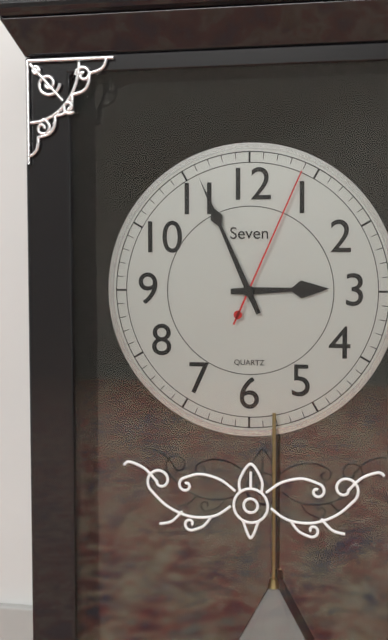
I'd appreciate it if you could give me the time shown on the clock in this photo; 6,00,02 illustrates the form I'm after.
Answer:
2,56,04
